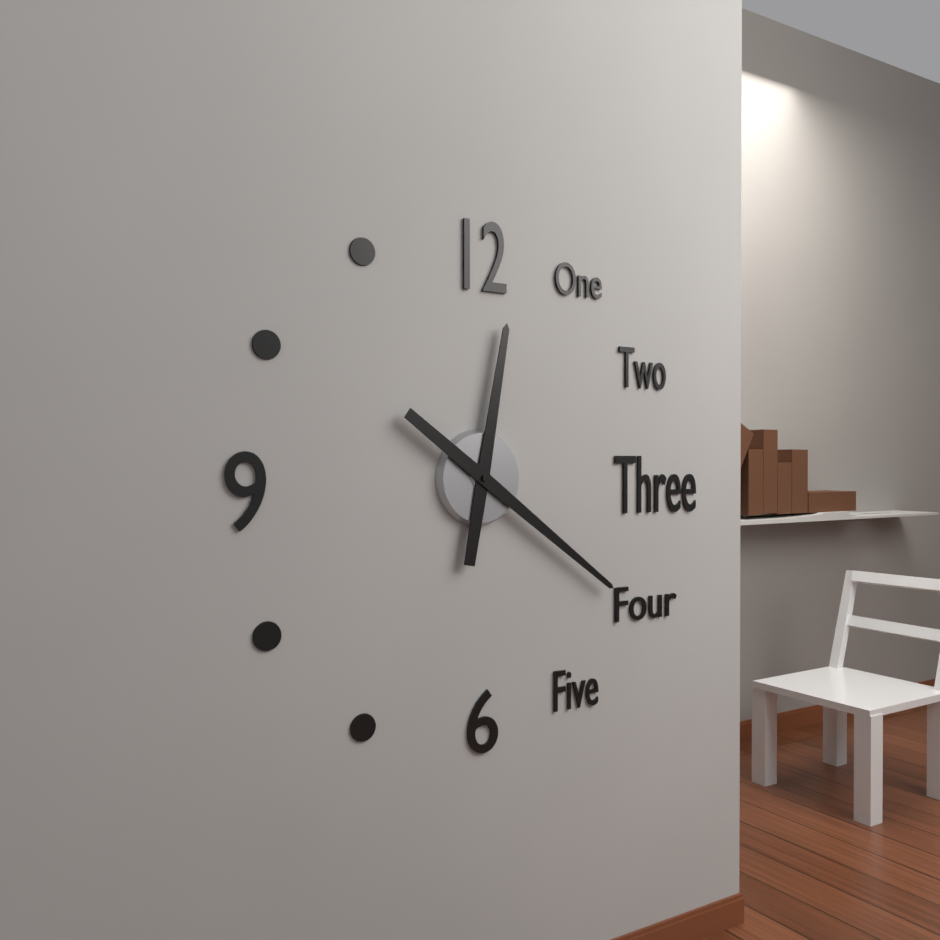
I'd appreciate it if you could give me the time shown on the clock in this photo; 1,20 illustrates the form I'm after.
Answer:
12,21
